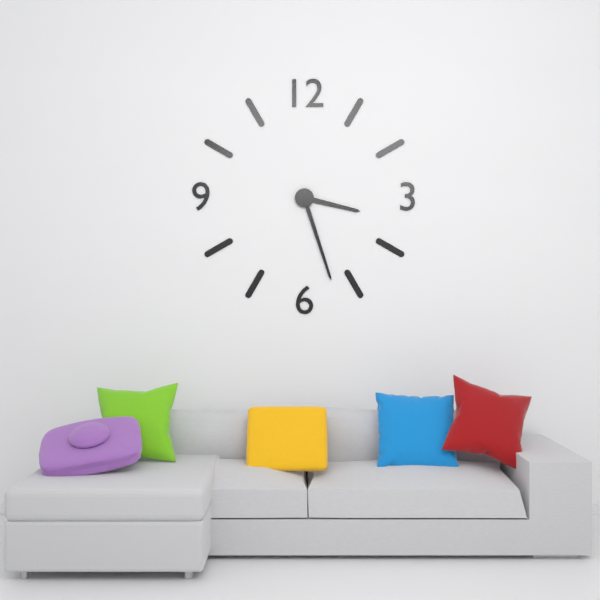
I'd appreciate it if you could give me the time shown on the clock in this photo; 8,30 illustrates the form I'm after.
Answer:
3,27
